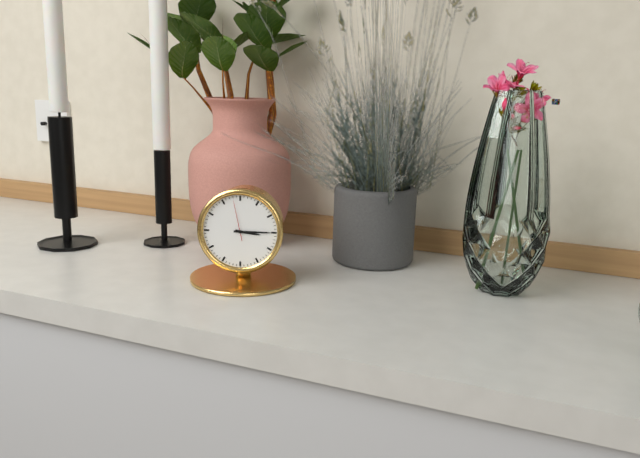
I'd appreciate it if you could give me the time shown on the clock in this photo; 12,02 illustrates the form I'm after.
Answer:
3,15
